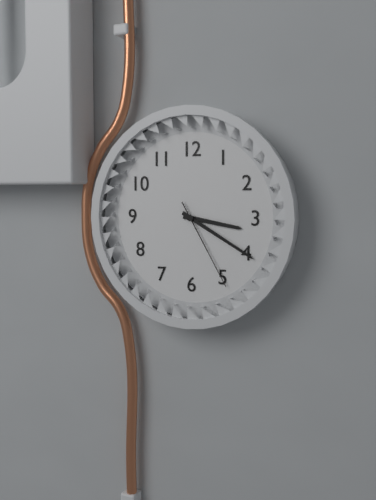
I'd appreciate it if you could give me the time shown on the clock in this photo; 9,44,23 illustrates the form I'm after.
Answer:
3,20,25
